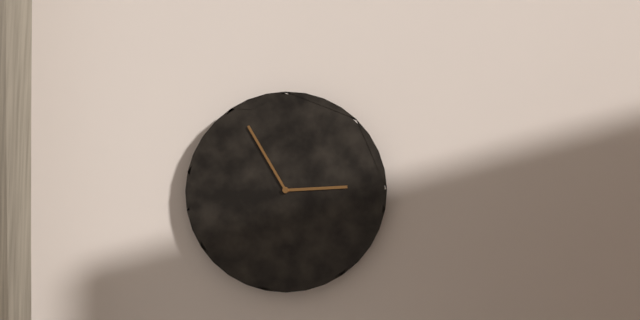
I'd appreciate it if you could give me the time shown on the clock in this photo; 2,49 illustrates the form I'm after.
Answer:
2,55
